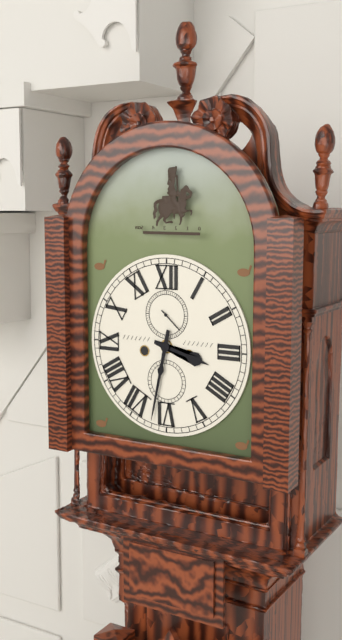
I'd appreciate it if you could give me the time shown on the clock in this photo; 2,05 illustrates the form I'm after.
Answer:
3,32
